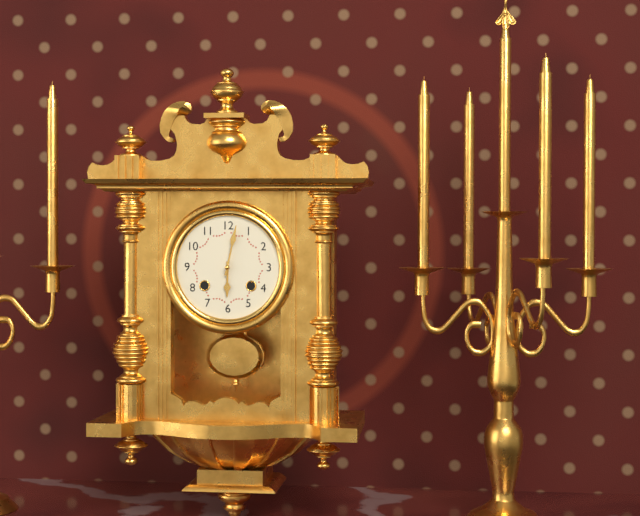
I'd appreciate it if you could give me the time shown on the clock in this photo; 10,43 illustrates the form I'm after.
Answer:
6,02
